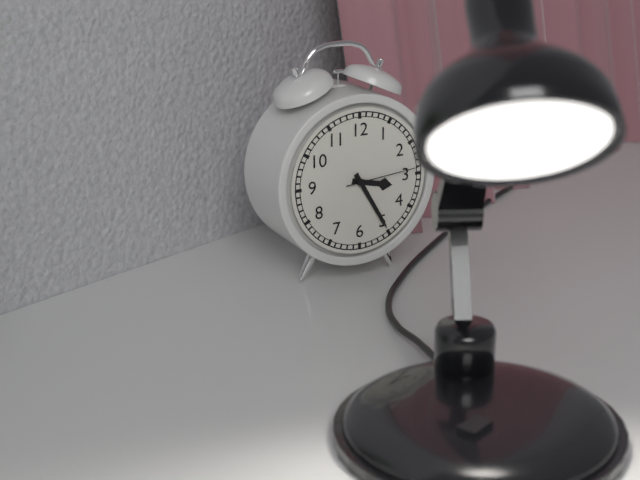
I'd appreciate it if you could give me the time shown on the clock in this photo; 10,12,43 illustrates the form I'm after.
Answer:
3,25,14
